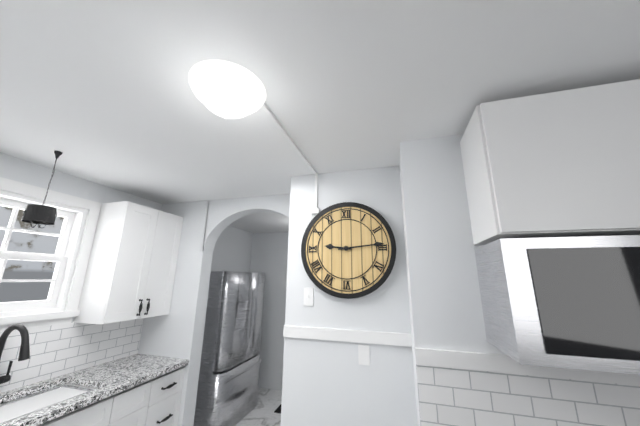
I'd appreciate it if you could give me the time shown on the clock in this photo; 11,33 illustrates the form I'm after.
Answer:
9,14
